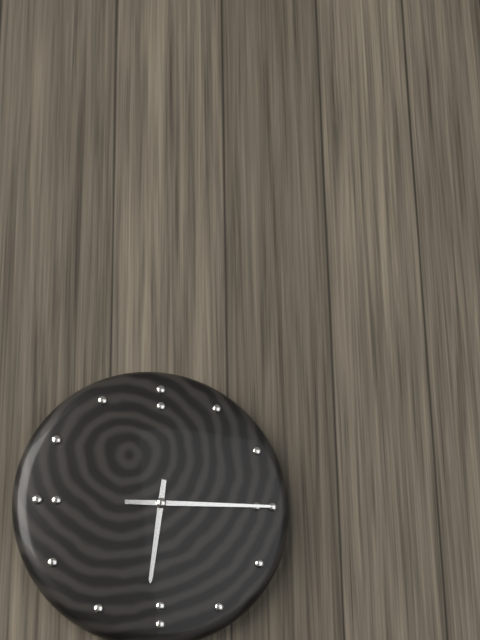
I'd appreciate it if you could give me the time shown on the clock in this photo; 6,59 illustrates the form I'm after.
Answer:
6,15
